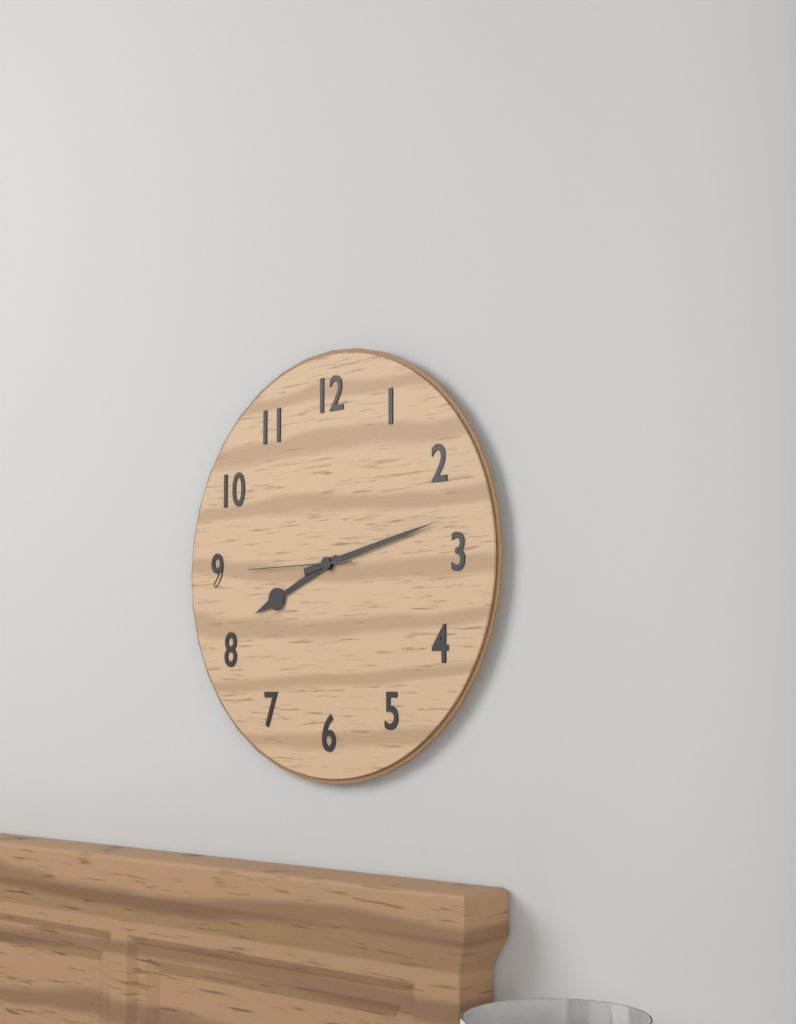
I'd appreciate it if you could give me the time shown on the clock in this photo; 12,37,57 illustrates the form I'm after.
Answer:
8,13,45
